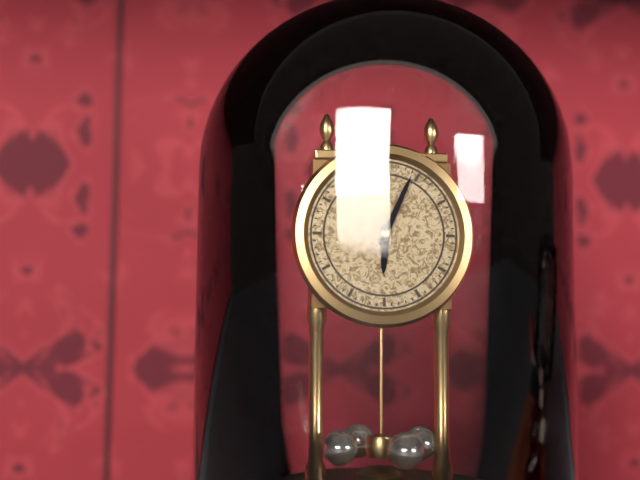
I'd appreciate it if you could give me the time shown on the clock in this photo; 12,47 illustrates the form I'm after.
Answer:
6,04
